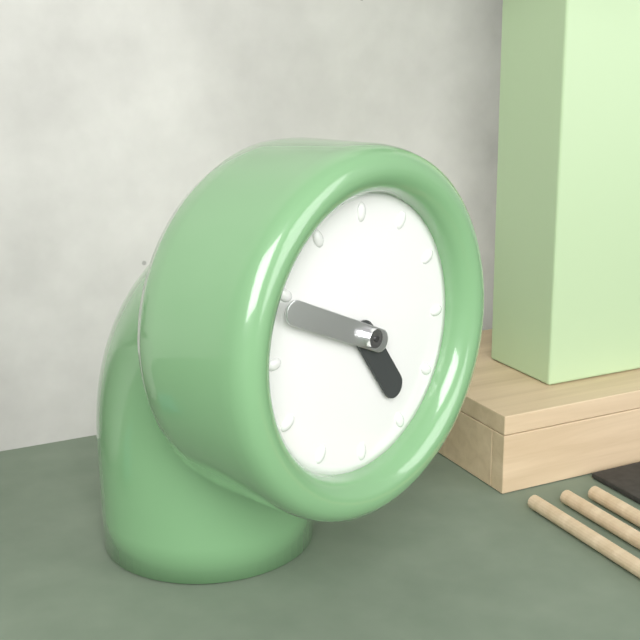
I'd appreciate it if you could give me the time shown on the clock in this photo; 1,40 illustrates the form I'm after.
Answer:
4,49
